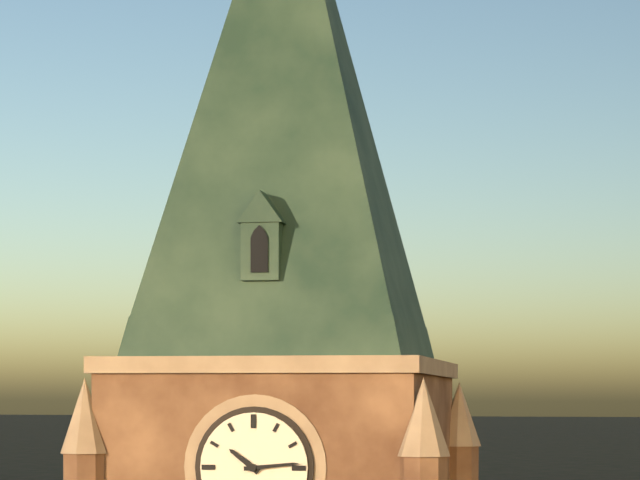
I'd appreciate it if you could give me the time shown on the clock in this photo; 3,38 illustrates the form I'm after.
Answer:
10,14
